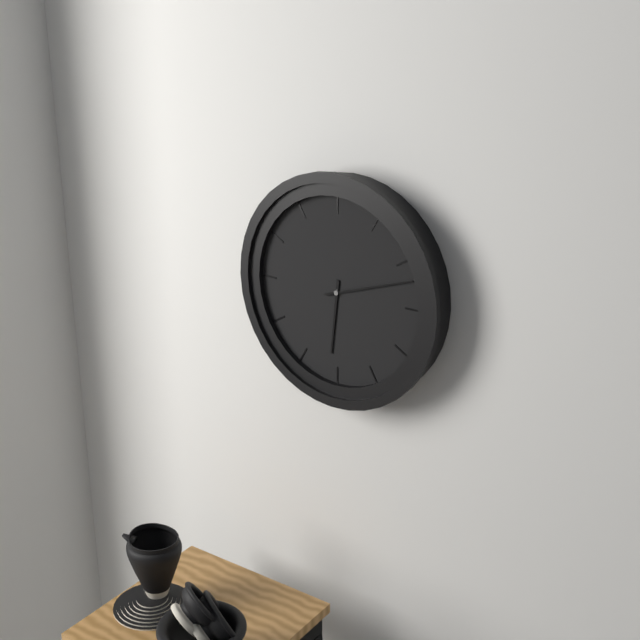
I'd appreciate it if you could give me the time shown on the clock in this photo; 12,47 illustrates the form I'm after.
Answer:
6,12
